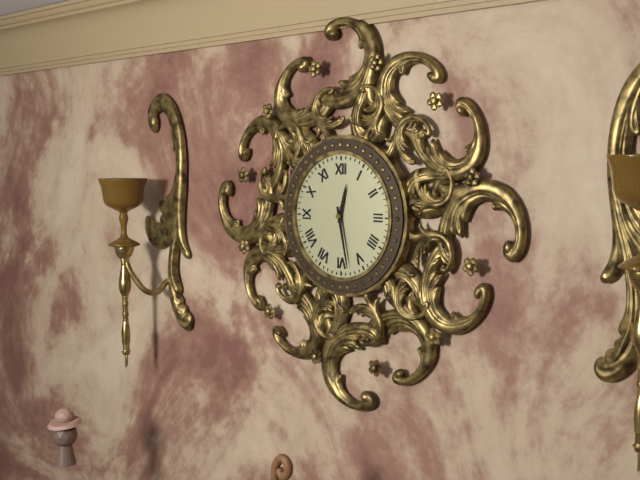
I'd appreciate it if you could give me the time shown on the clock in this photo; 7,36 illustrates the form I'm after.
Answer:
12,28
